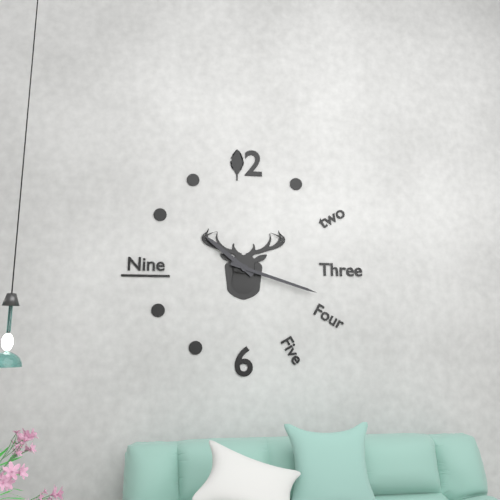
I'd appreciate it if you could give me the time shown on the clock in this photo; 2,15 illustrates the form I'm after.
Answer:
10,18
